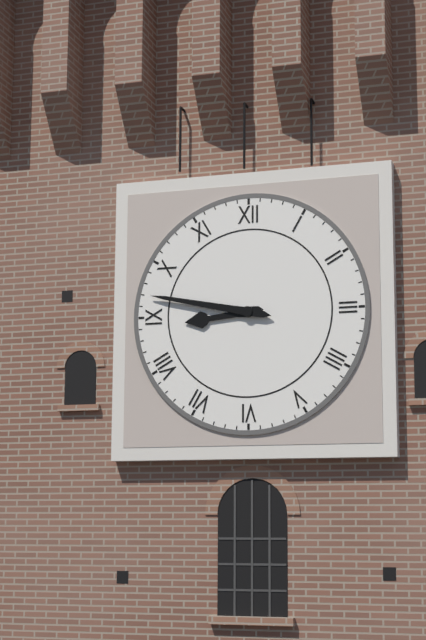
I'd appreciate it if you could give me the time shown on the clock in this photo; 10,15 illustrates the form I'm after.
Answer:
8,47
